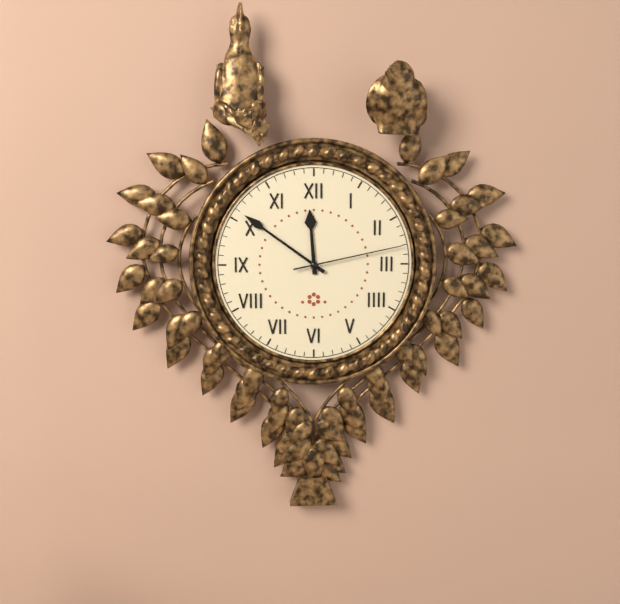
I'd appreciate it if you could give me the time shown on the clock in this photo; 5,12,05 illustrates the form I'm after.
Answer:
11,51,13
